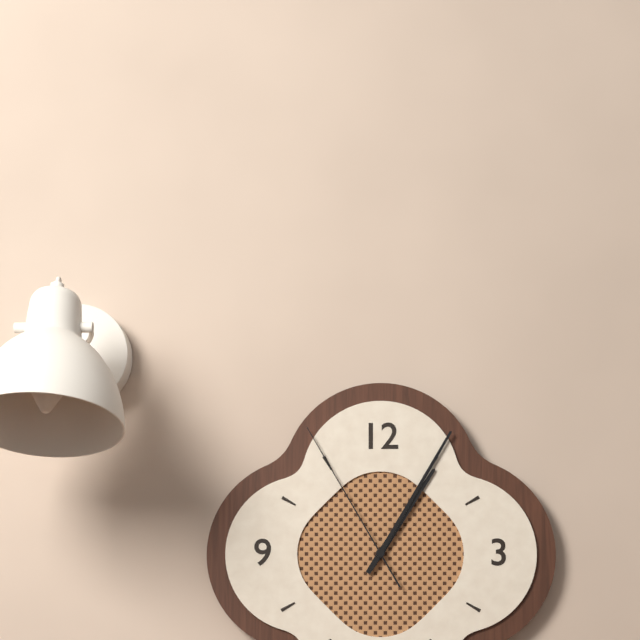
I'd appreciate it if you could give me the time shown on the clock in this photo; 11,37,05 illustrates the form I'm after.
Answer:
1,05,55
